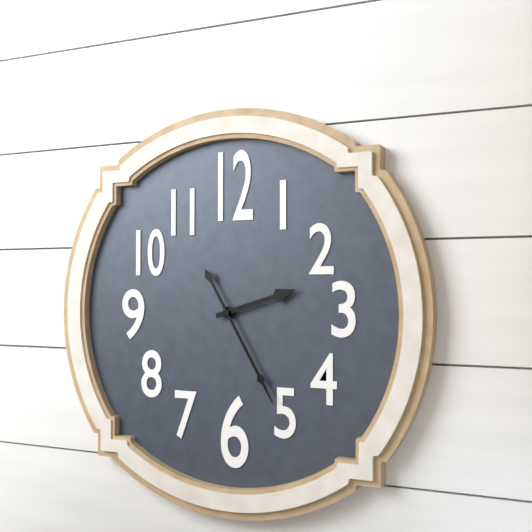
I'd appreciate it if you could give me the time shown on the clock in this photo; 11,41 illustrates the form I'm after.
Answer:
2,25
